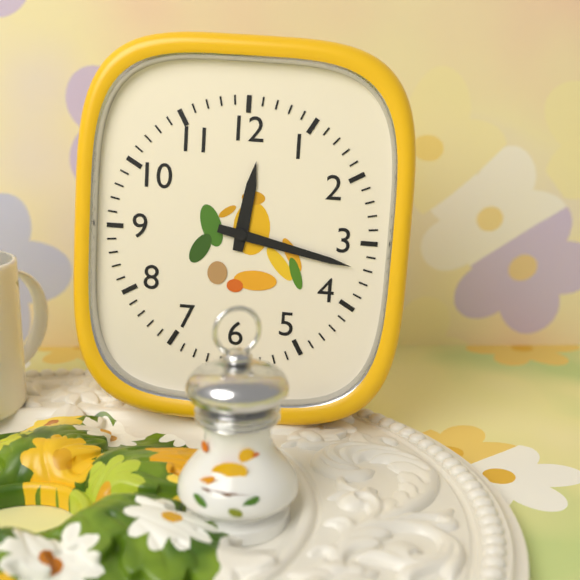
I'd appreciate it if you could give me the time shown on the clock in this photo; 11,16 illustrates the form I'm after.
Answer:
12,17
